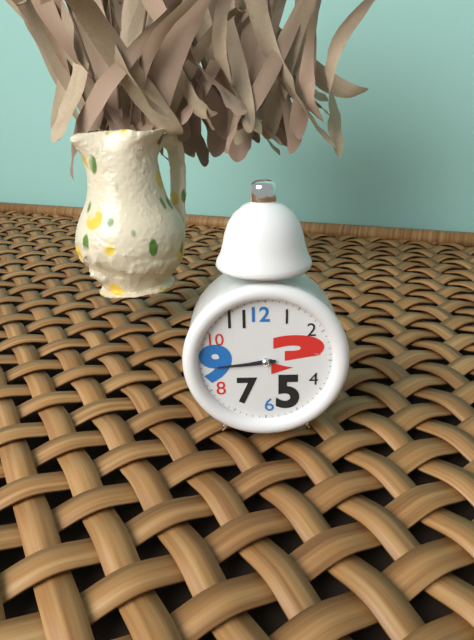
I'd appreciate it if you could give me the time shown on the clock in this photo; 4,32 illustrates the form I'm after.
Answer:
8,44
